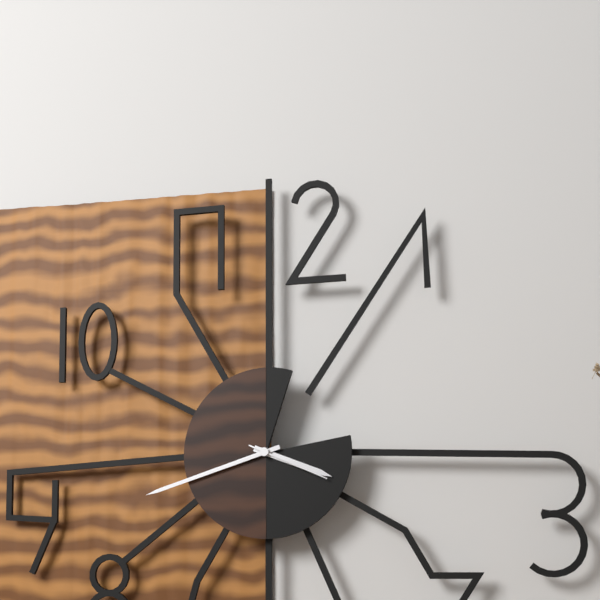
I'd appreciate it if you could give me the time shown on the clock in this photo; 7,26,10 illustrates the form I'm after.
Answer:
3,42,19
